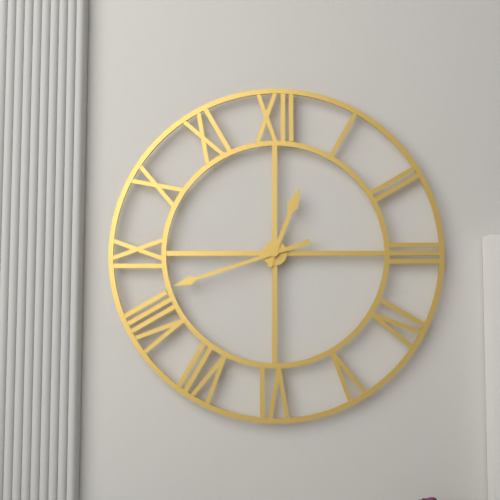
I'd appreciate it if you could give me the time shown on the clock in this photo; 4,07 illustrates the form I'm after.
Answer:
12,42
